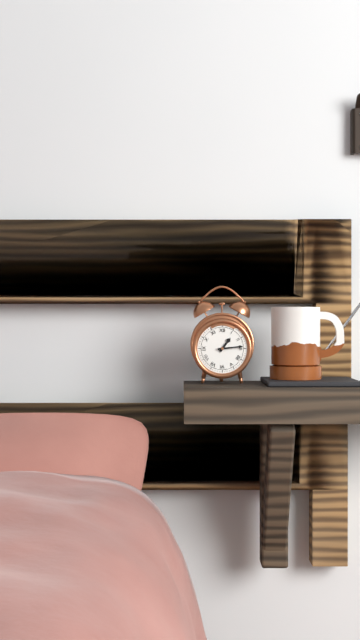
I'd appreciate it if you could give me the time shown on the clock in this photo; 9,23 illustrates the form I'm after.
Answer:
1,14
